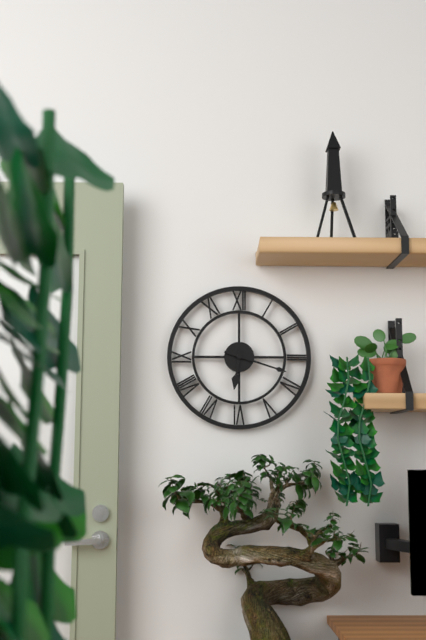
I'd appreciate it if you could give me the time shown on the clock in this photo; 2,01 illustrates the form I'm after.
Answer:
6,18
